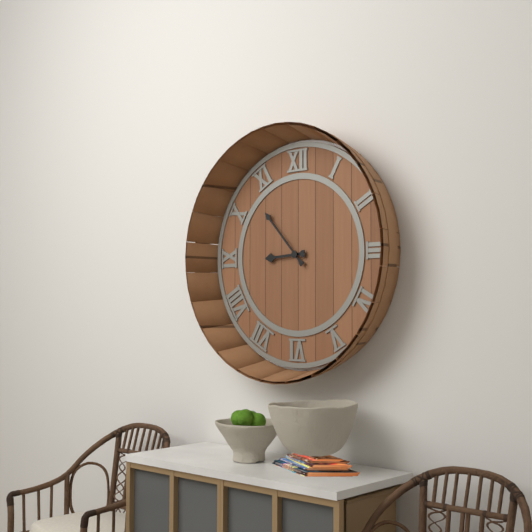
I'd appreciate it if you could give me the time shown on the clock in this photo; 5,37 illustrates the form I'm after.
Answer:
8,53
